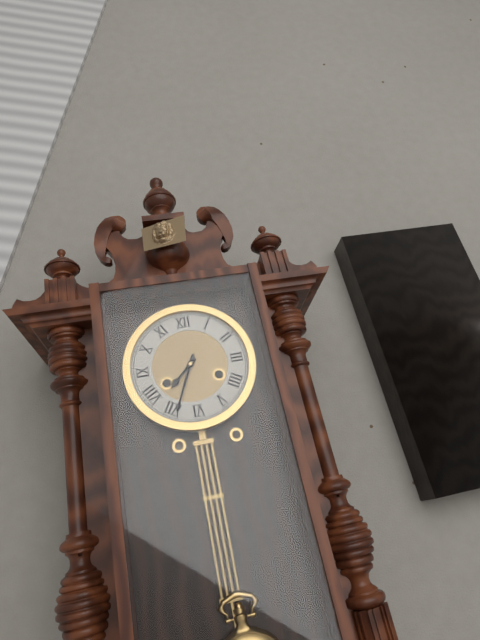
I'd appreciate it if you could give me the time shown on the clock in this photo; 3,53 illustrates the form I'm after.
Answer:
7,34
